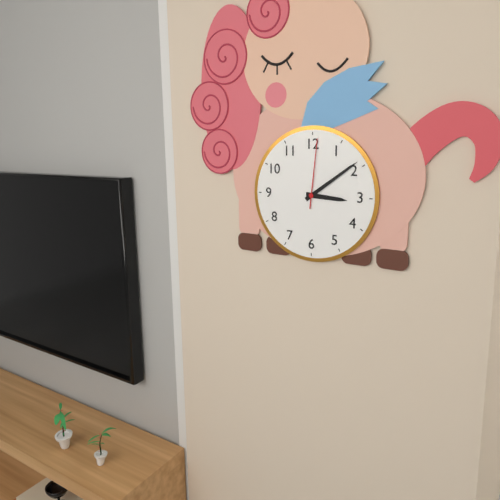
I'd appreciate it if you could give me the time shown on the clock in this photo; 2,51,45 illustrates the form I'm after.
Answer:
3,09,01
